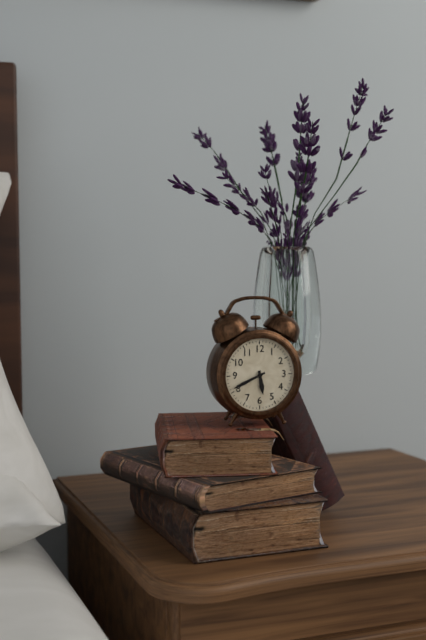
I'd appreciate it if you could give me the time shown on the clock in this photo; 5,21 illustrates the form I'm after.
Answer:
5,41
